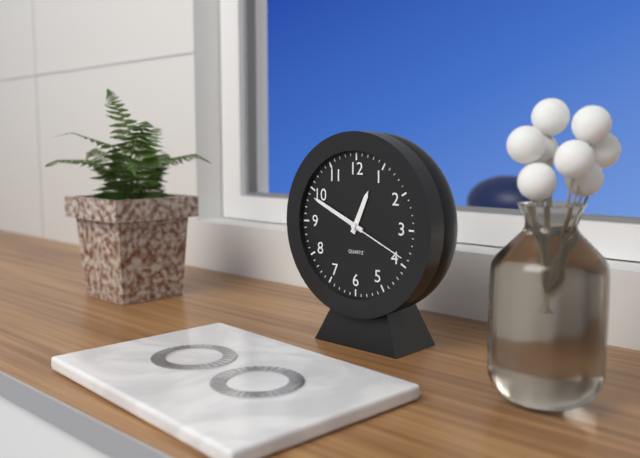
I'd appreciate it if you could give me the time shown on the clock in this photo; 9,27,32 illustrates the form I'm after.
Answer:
12,49,19
